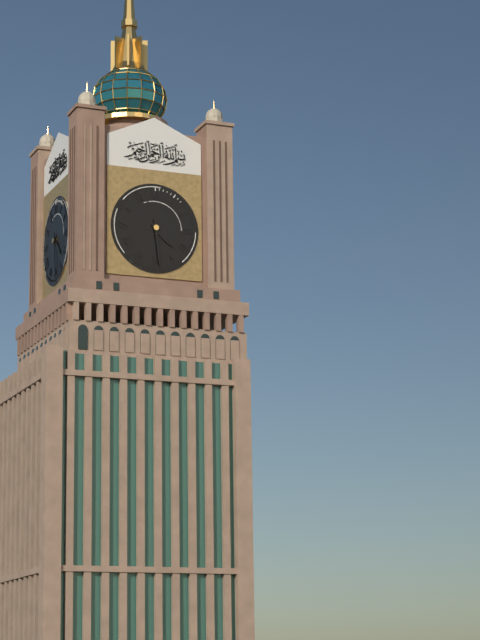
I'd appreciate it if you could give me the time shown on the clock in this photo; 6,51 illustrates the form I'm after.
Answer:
4,29
